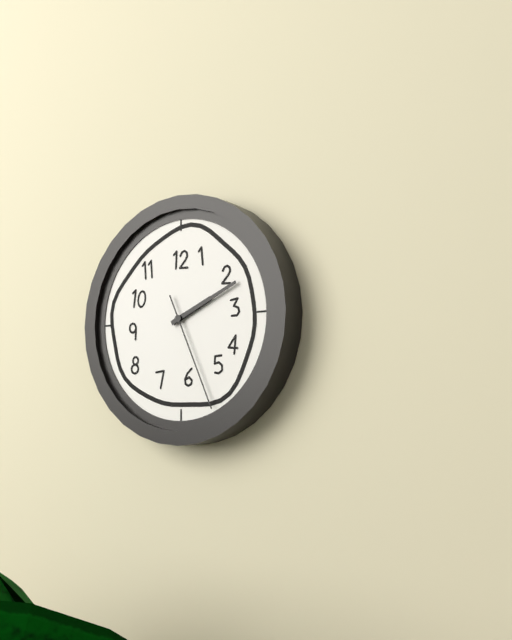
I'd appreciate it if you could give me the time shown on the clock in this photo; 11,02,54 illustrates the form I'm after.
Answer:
2,11,26
